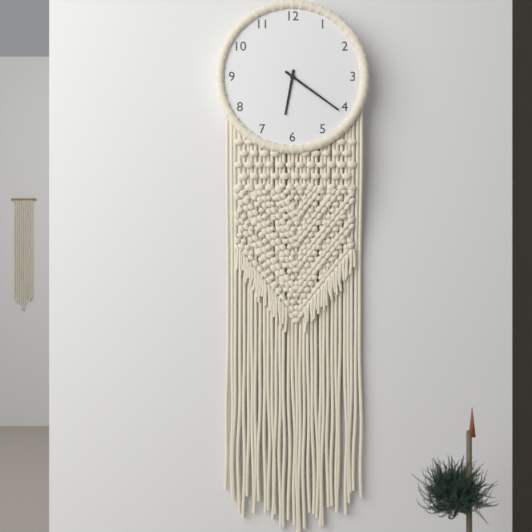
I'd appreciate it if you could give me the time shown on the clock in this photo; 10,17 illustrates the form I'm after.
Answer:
6,21
